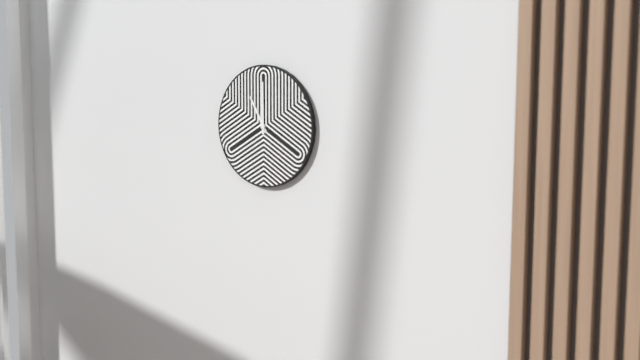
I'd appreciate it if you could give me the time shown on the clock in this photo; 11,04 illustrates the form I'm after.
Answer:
11,00
